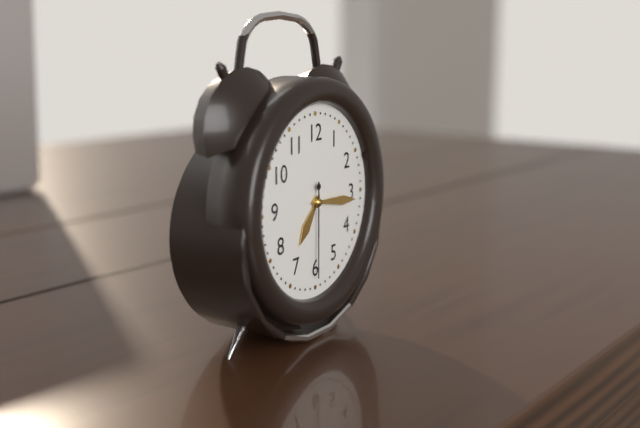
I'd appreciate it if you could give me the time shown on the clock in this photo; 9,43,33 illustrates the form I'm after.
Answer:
7,16,30
